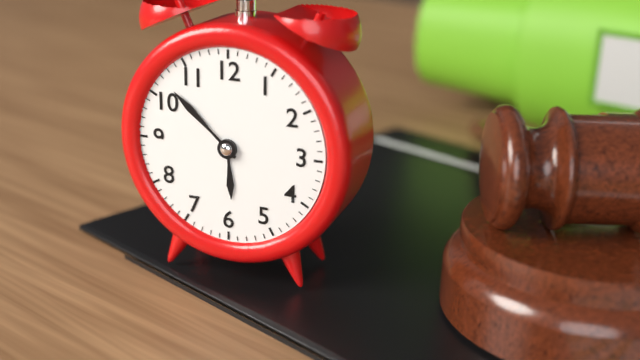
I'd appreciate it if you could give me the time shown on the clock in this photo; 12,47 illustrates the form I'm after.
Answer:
5,52
